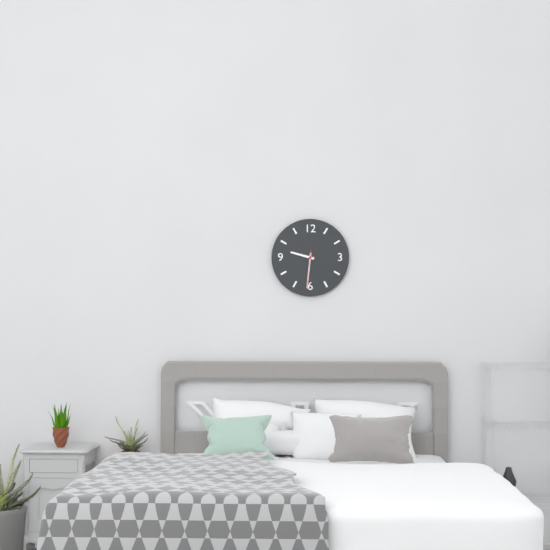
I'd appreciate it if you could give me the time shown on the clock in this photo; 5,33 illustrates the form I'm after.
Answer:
9,31
